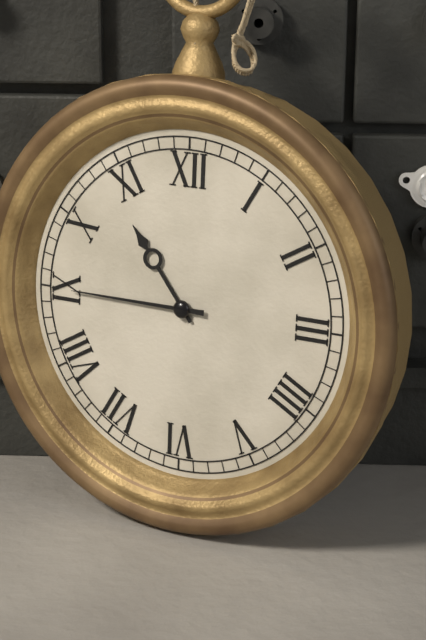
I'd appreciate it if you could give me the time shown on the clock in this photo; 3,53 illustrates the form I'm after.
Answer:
10,45
